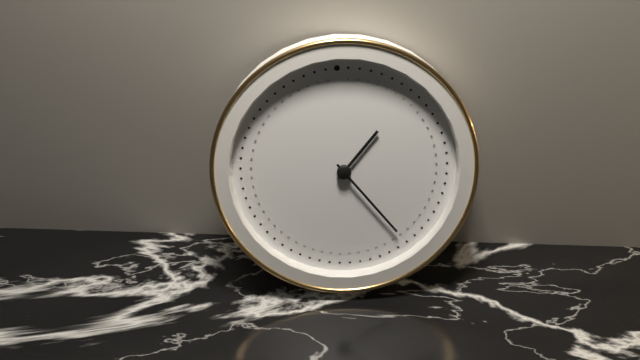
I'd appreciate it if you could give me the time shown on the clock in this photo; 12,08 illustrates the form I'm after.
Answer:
1,24
